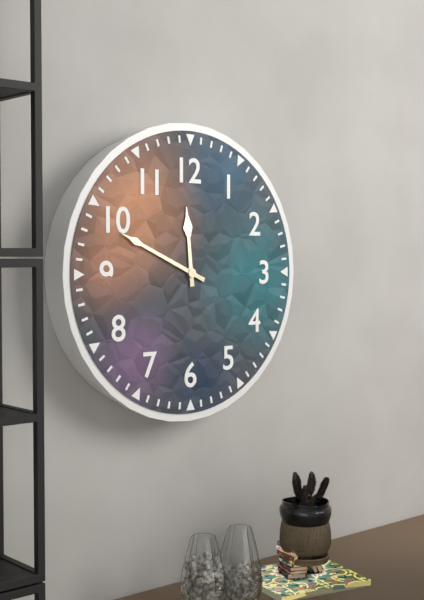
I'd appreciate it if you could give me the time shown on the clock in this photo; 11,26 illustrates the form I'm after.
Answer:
11,49
